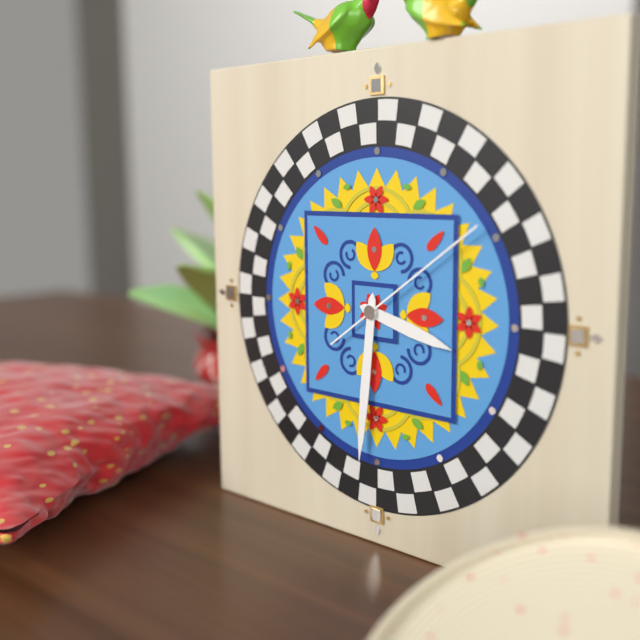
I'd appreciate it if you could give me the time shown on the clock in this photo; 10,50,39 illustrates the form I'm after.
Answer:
3,31,09
